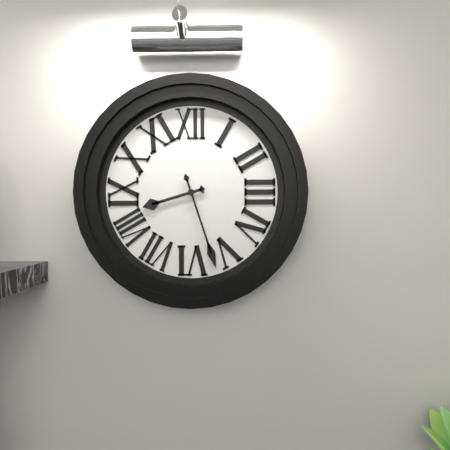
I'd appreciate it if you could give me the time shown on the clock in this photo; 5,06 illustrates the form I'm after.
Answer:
8,27
